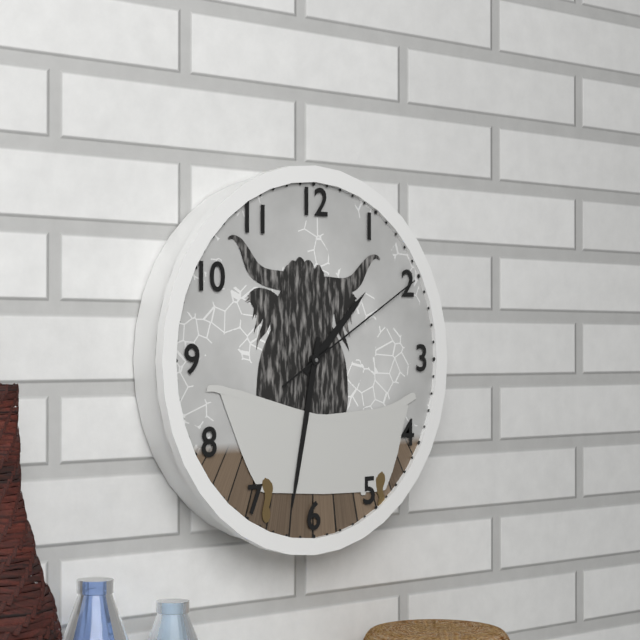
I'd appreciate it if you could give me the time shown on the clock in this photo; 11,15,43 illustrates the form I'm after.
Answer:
1,32,10
